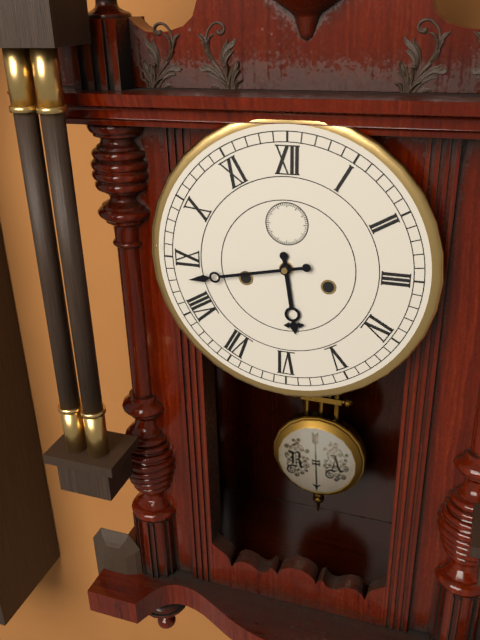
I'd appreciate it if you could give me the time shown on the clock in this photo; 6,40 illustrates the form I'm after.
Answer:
5,43
